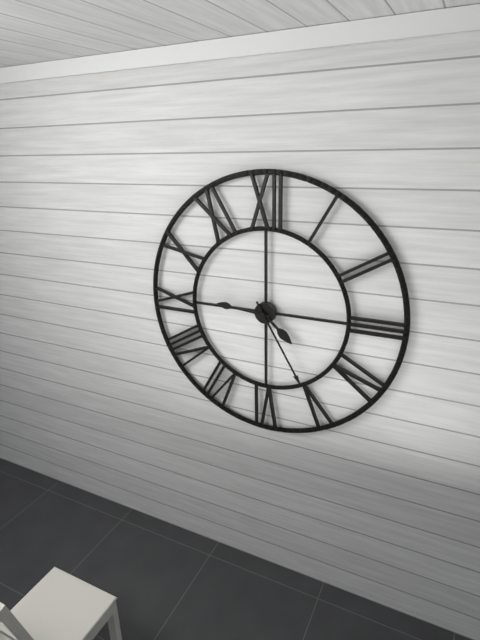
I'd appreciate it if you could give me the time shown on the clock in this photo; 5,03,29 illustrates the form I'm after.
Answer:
4,25,46
